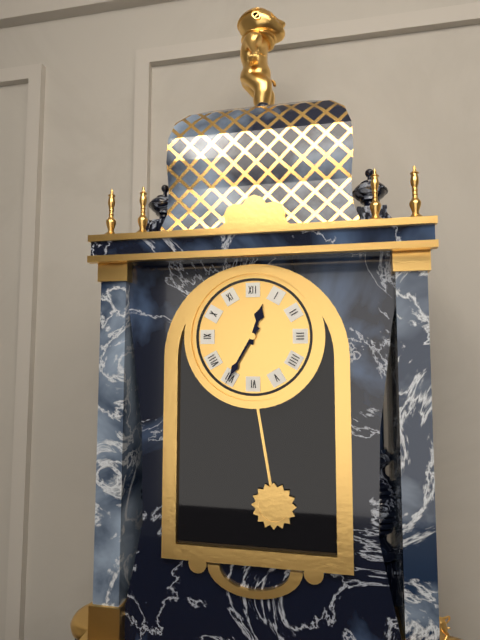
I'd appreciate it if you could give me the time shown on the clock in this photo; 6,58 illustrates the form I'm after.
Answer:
12,35
